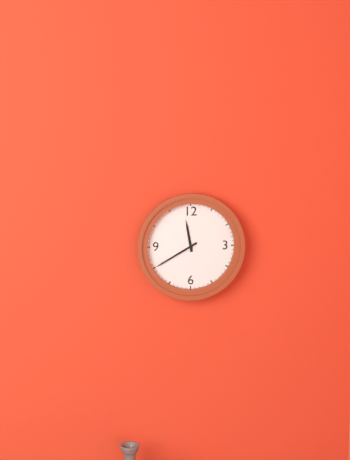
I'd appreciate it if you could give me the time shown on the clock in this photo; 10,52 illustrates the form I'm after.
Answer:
11,40
